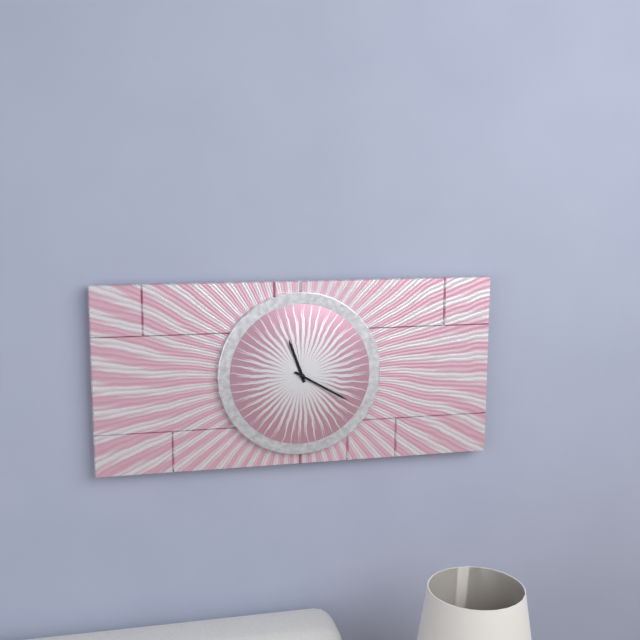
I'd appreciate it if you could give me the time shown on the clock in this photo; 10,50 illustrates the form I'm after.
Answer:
11,20
